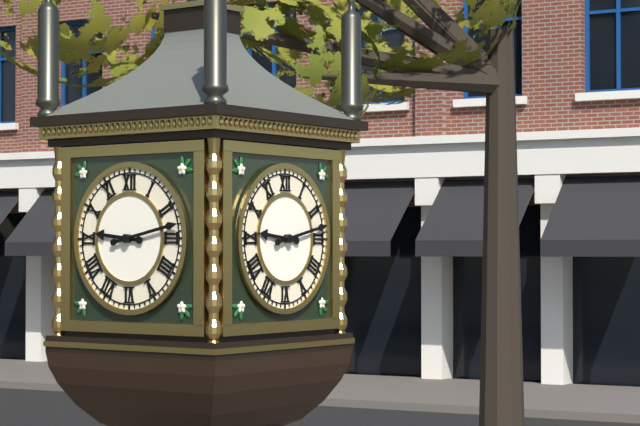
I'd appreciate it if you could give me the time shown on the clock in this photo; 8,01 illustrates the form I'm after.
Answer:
9,13
